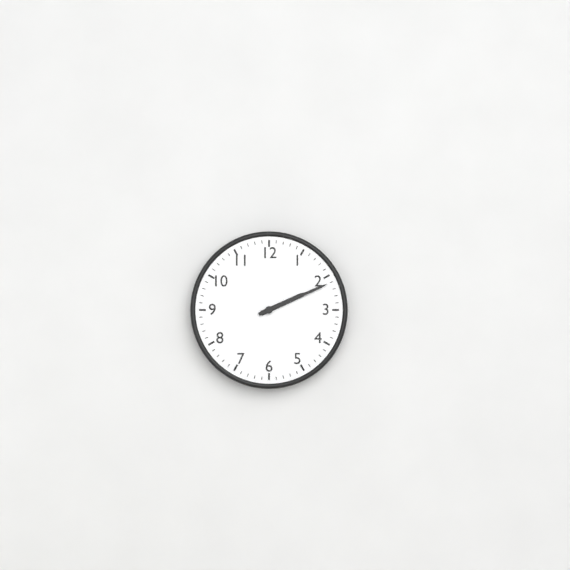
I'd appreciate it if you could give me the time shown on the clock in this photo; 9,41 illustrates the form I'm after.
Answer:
2,11
